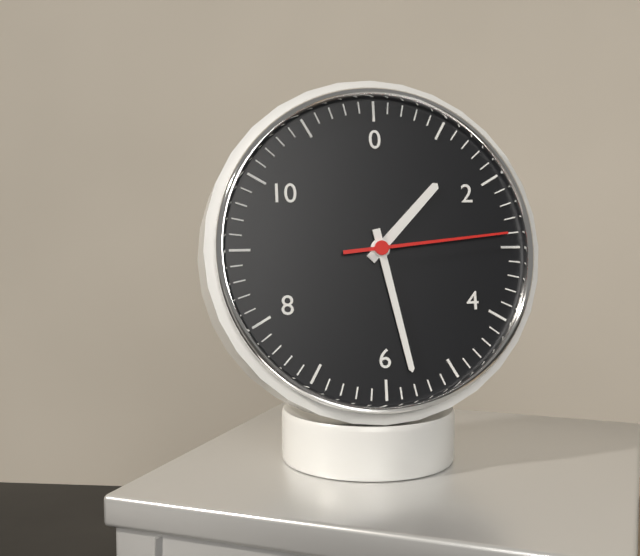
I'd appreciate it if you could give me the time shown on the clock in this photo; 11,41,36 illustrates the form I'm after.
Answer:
1,28,14
